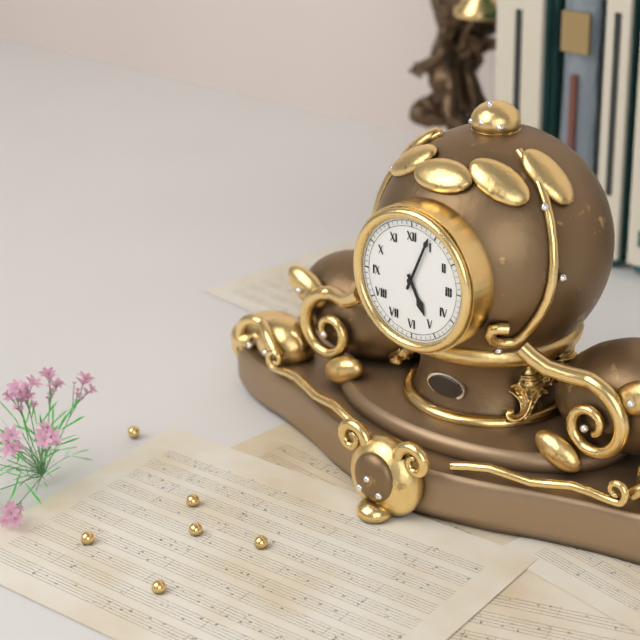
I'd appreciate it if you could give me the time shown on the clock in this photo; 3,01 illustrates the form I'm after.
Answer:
5,04
